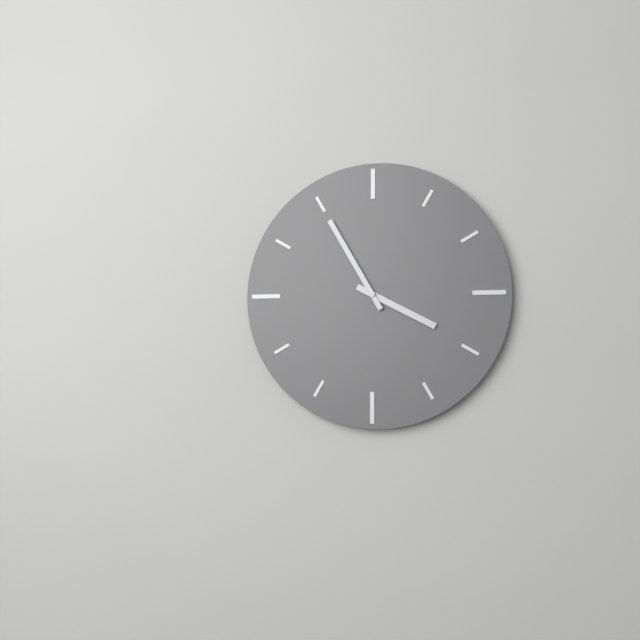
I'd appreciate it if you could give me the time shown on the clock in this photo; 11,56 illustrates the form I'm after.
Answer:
3,55
